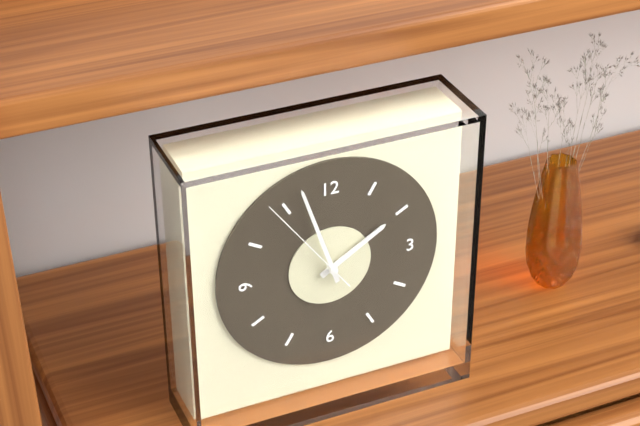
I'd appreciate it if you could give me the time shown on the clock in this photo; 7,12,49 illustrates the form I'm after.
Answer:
1,57,54
